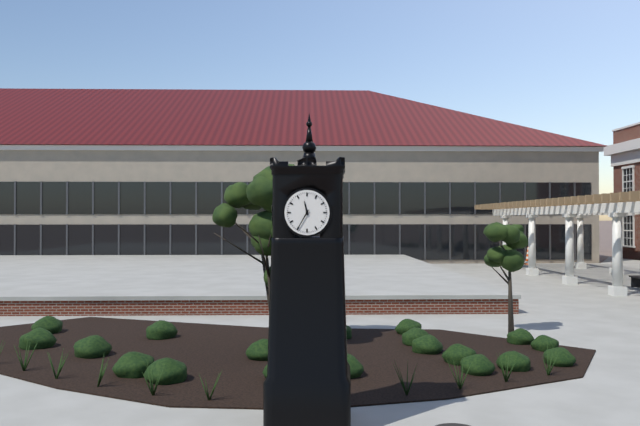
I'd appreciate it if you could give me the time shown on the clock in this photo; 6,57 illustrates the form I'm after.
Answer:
11,35
